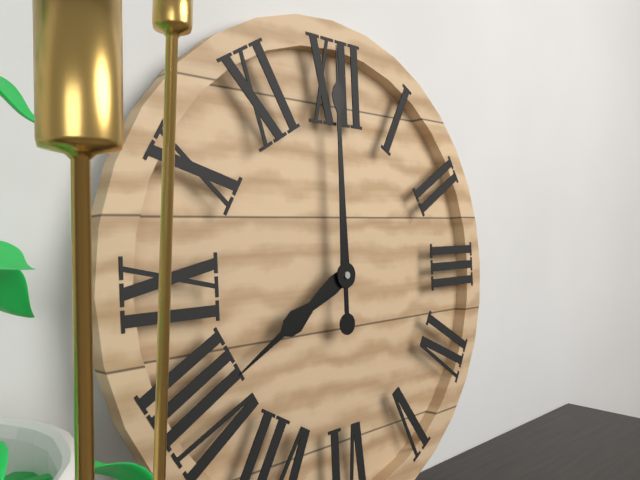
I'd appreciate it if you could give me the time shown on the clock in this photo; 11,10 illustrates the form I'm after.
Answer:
8,00
